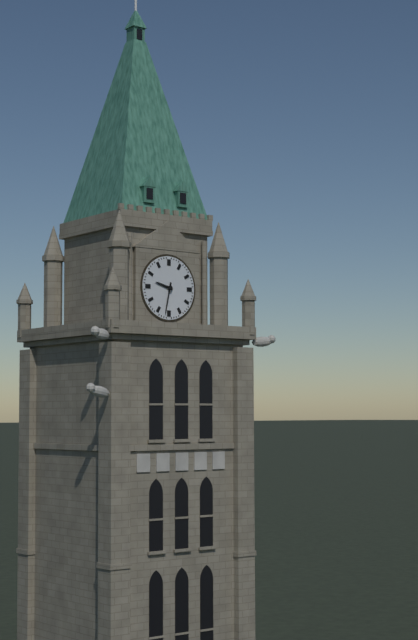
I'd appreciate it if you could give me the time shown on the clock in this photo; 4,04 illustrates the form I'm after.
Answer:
9,32
